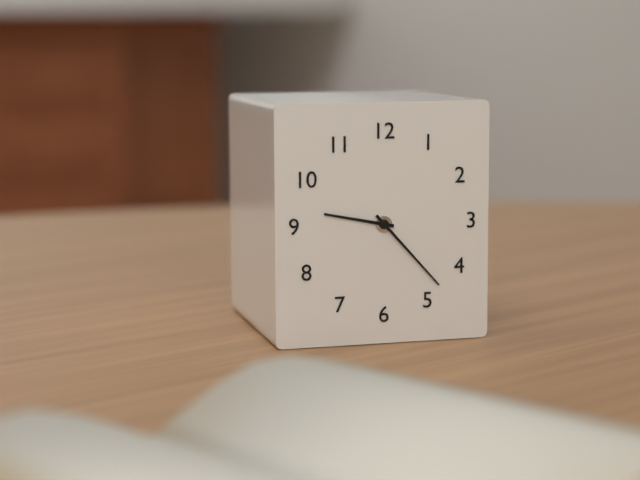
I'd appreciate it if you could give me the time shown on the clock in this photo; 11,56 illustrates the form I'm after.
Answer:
9,23
